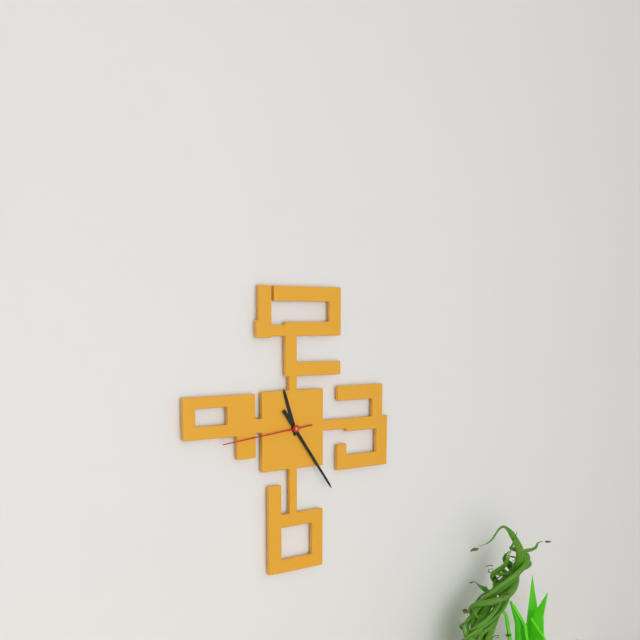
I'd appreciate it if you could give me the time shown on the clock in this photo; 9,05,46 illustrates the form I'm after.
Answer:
11,24,44
